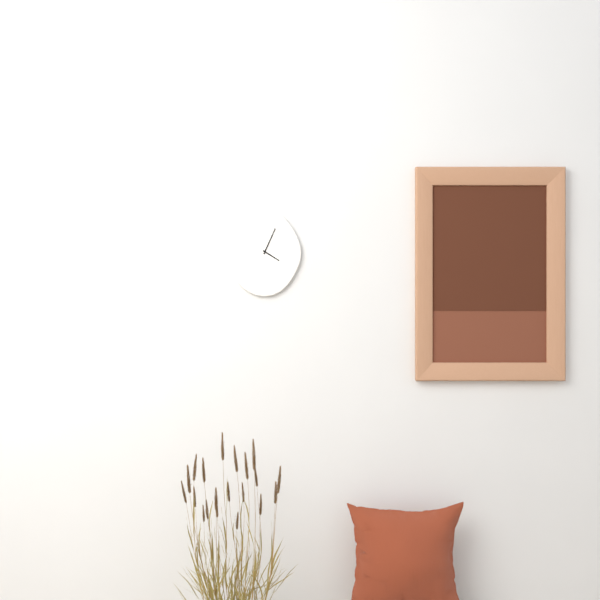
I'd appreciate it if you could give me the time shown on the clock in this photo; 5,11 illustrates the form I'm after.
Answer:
4,04
